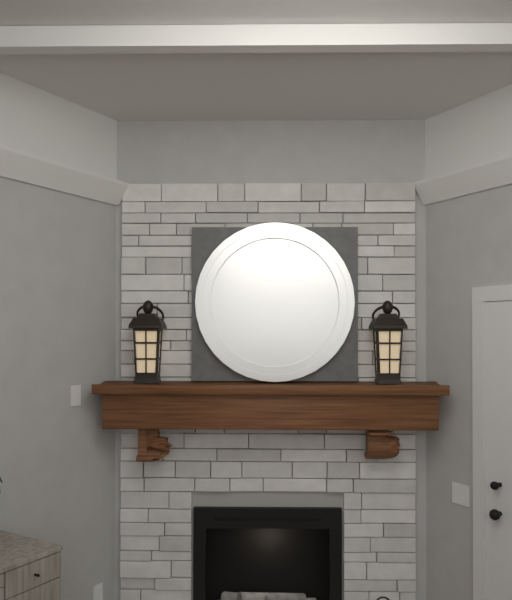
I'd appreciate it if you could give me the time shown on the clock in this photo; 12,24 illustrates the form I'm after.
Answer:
6,12
